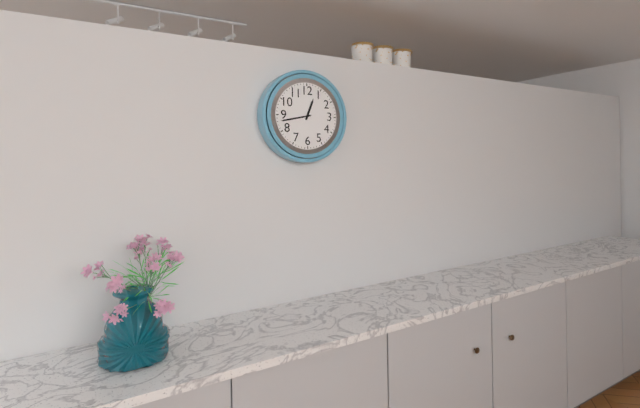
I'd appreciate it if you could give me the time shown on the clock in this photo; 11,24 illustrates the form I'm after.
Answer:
12,43
